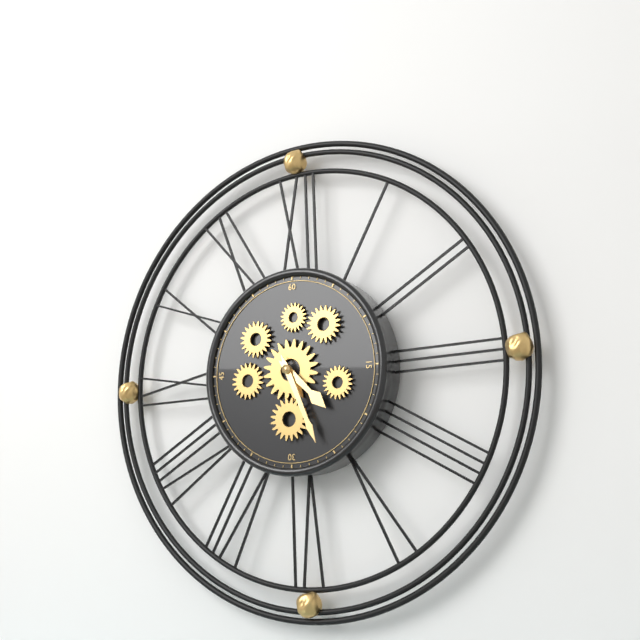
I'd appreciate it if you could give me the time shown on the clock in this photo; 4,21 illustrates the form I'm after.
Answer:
4,26
